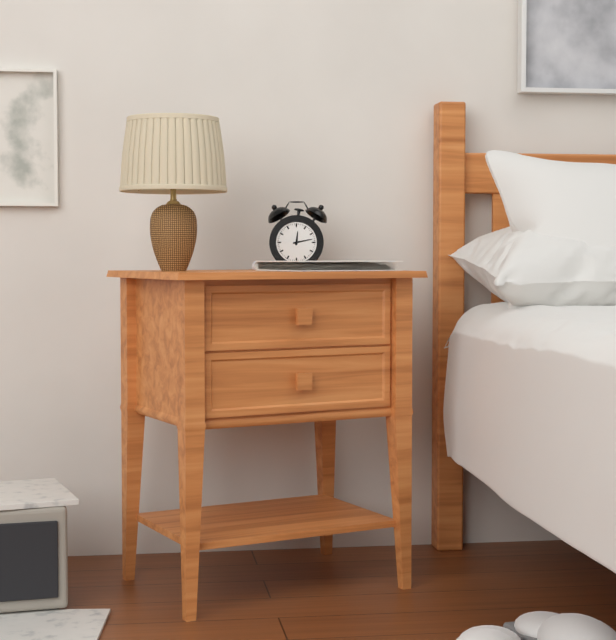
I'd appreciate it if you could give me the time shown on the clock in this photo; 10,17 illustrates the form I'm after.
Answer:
12,13
